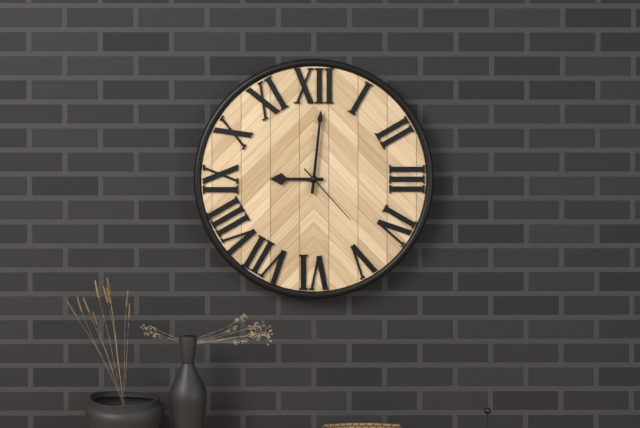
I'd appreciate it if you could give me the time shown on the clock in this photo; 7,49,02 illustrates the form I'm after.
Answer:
9,01,23
